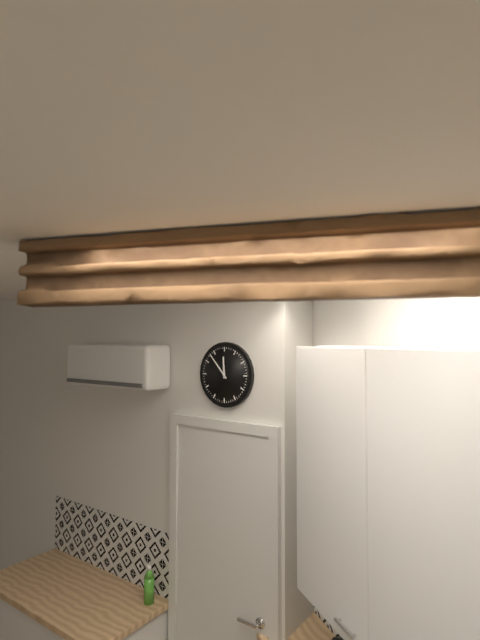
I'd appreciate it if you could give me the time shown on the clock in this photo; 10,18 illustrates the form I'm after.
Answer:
11,53
